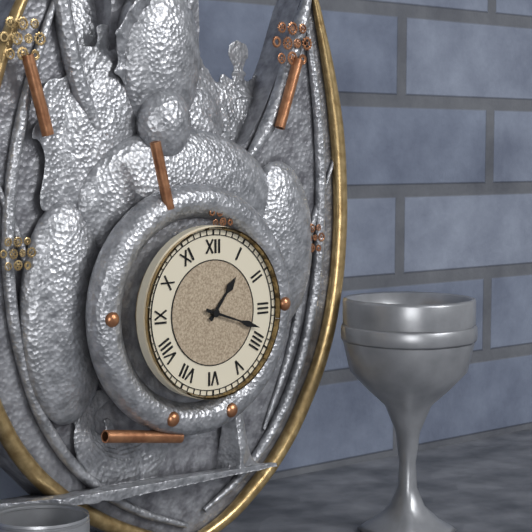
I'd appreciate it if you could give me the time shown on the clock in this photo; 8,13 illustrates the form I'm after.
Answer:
1,18
